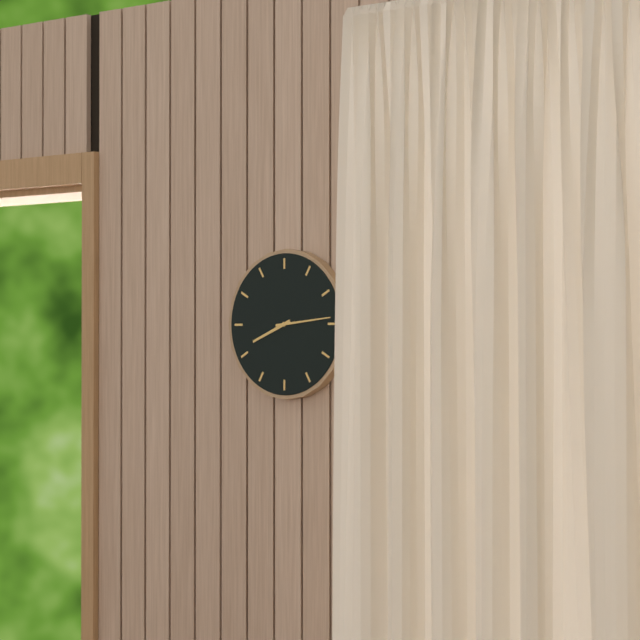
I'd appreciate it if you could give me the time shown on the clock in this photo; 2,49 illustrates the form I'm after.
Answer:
8,14
